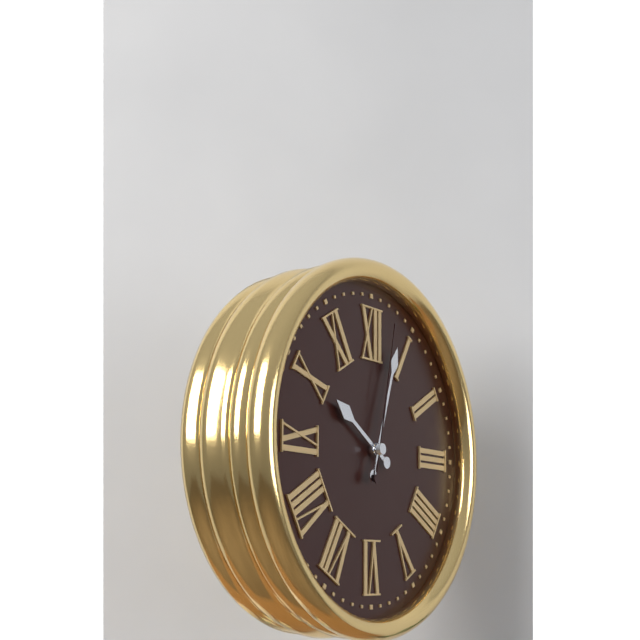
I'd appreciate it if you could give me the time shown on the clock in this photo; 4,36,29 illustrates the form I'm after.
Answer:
10,03,02
